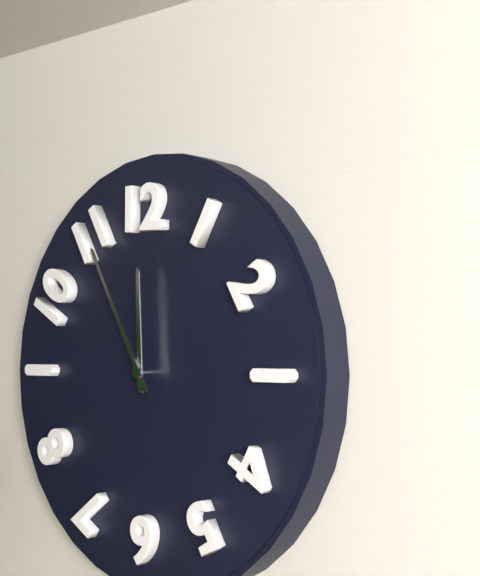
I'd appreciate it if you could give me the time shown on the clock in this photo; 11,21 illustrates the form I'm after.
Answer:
11,55
